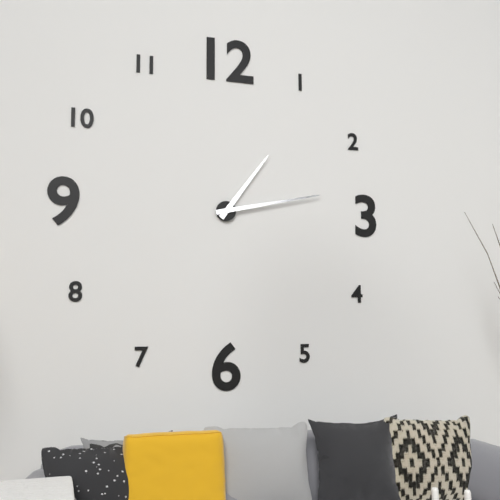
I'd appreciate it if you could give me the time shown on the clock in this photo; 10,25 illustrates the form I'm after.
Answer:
1,13
